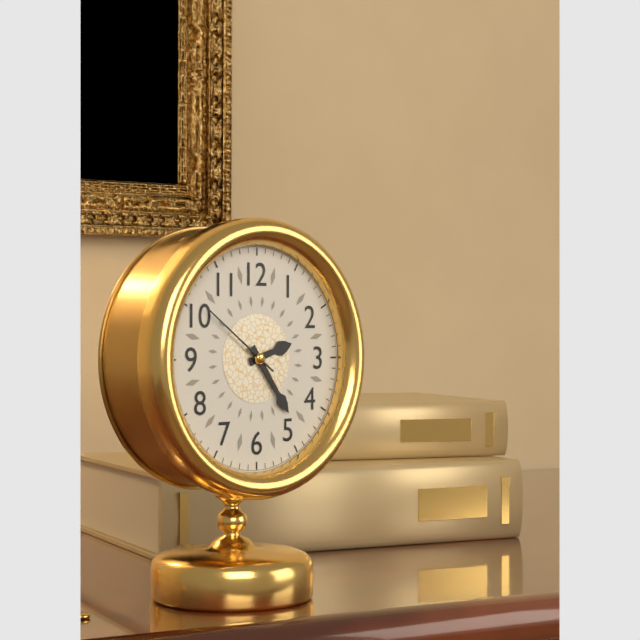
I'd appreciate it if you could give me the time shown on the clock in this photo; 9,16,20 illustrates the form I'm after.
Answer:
2,24,51
